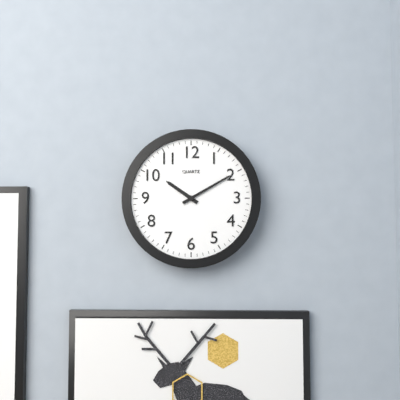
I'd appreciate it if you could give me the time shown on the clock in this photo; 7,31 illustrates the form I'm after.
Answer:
10,10
